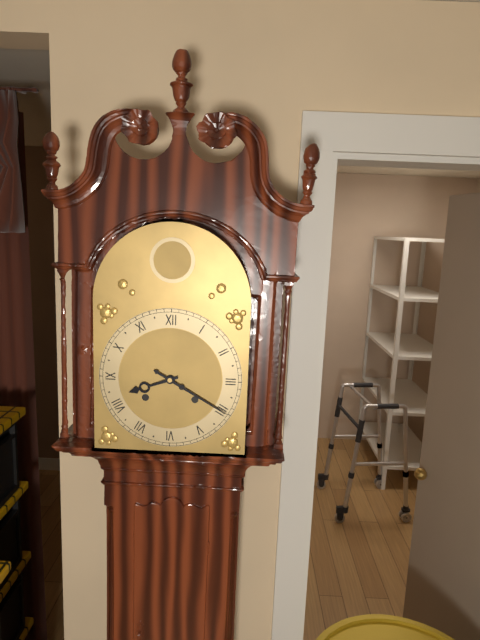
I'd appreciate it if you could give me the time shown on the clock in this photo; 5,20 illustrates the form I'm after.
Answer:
8,20
